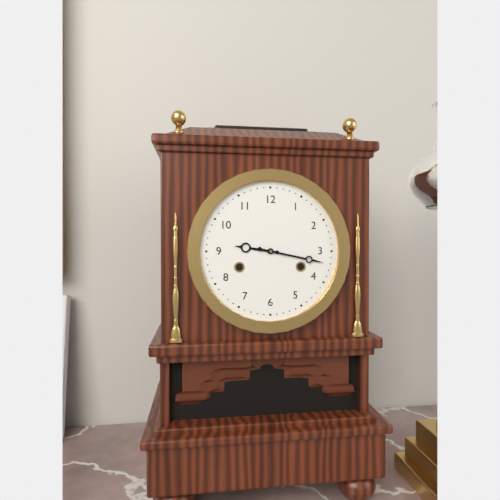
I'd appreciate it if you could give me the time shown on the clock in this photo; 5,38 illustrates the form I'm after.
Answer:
9,17
